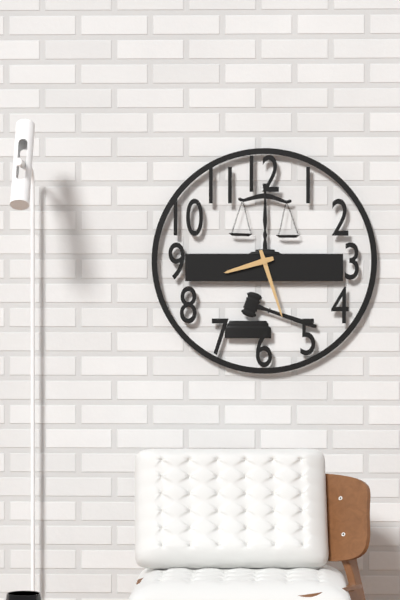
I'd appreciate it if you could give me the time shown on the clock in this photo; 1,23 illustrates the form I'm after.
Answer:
8,27
